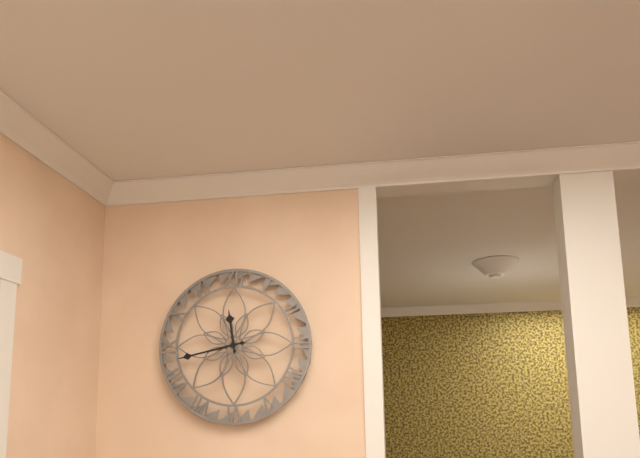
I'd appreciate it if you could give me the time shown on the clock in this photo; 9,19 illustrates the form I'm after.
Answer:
11,43
